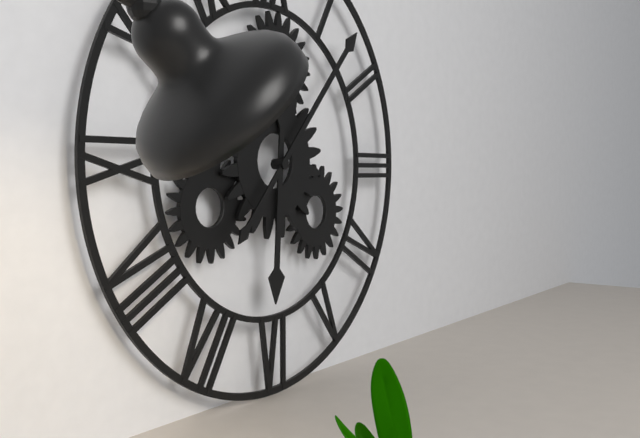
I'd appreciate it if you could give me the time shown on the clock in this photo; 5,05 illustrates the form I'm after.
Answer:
6,07
